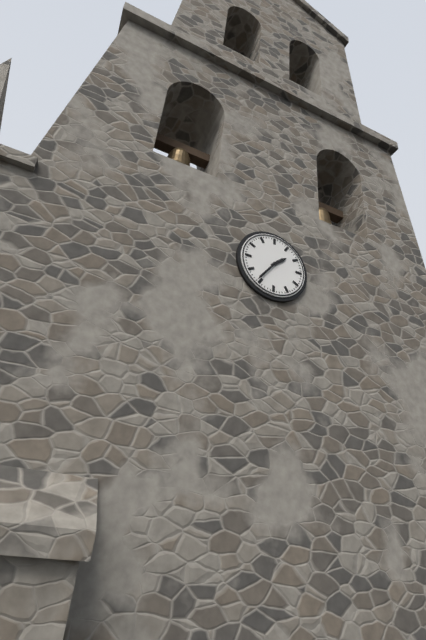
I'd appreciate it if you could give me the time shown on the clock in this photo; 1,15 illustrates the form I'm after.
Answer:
1,36
